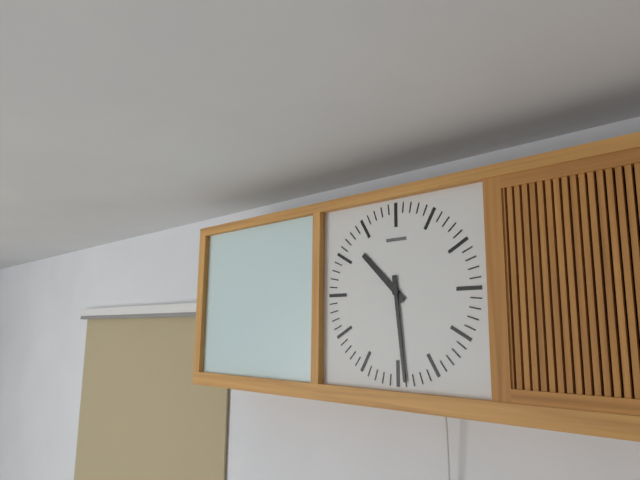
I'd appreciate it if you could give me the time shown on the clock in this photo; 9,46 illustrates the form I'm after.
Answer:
10,29
